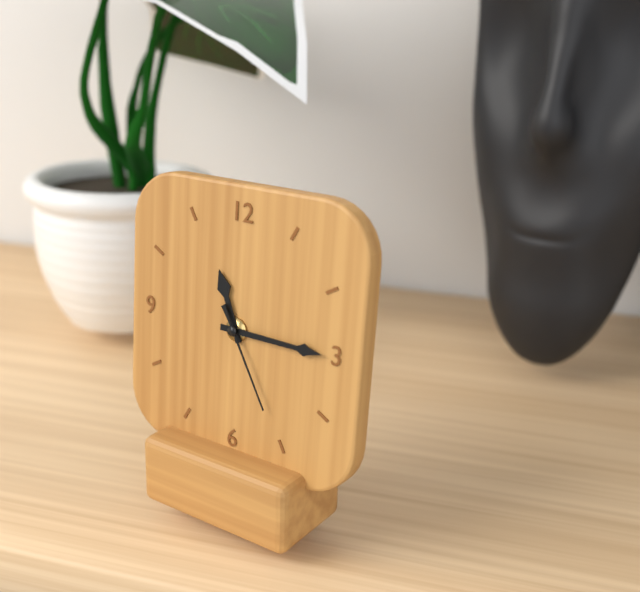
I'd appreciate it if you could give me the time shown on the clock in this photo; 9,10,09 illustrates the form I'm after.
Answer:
11,15,25
